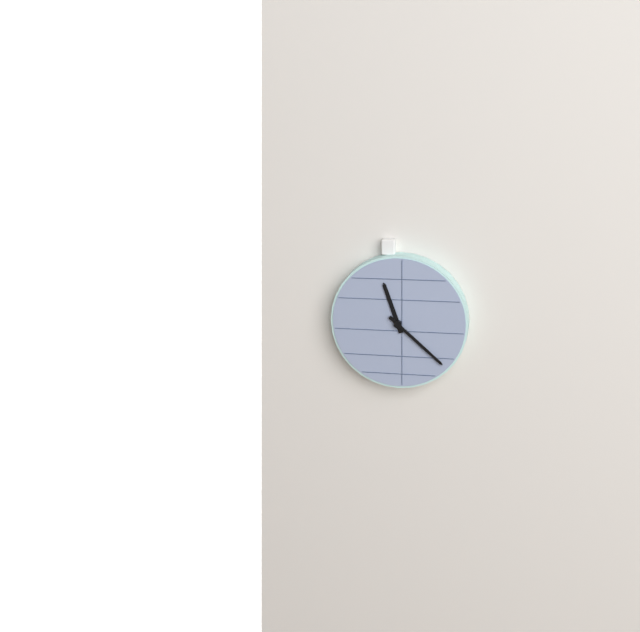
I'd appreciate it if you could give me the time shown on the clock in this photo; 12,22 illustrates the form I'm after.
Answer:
11,22
